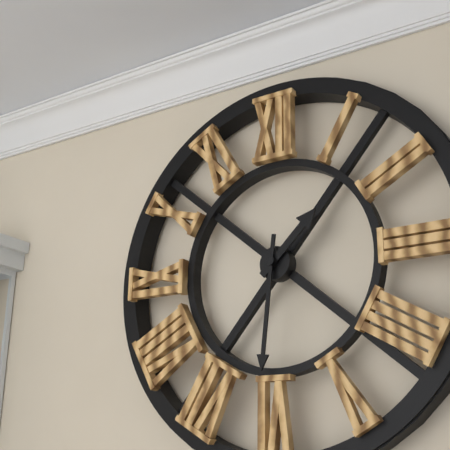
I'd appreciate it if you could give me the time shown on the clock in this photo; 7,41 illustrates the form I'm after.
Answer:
1,31
